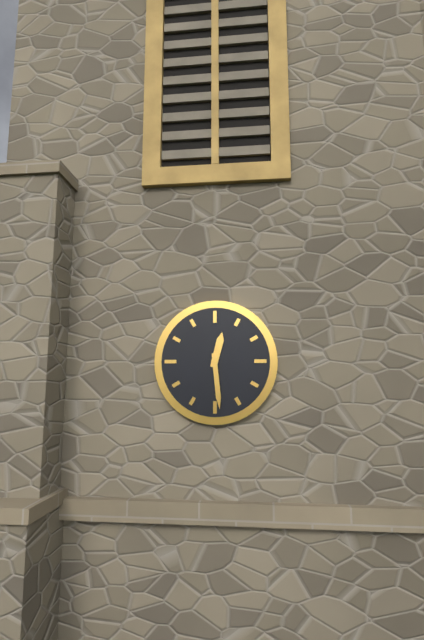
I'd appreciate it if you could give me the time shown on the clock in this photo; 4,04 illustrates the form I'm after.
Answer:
12,29
